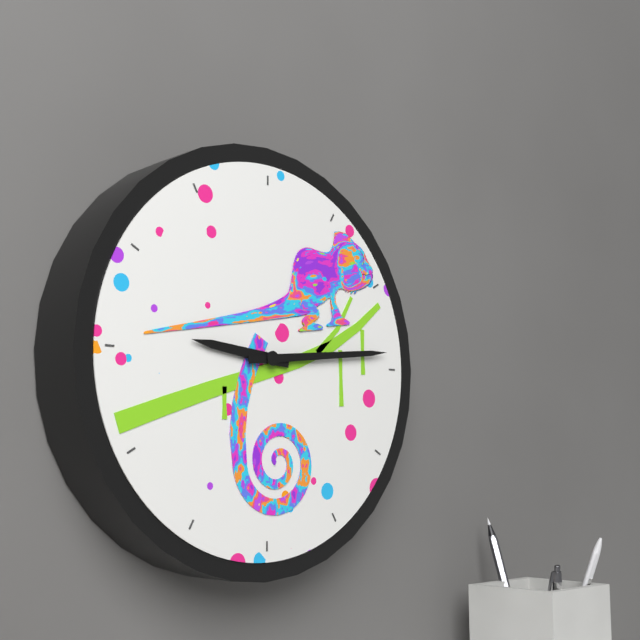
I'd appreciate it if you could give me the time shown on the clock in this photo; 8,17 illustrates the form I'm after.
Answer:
9,14
